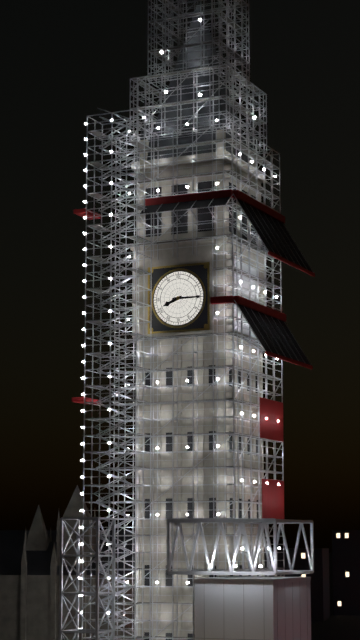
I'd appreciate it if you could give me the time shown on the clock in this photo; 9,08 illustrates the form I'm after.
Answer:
8,15
